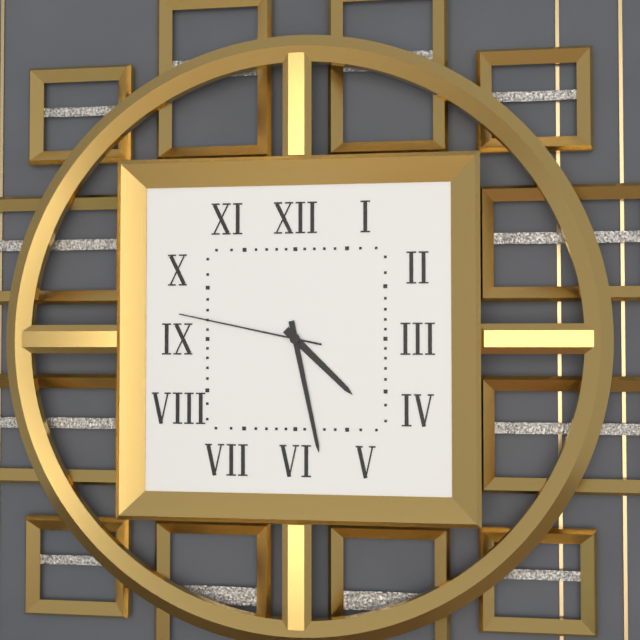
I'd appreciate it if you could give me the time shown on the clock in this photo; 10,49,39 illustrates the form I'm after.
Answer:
4,28,47
